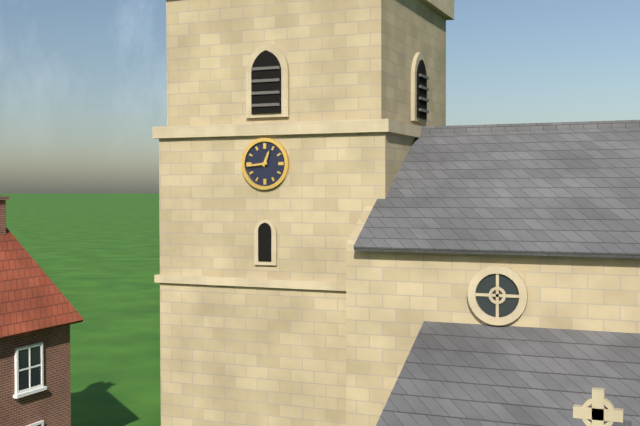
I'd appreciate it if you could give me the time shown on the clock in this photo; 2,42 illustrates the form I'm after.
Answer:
12,44
